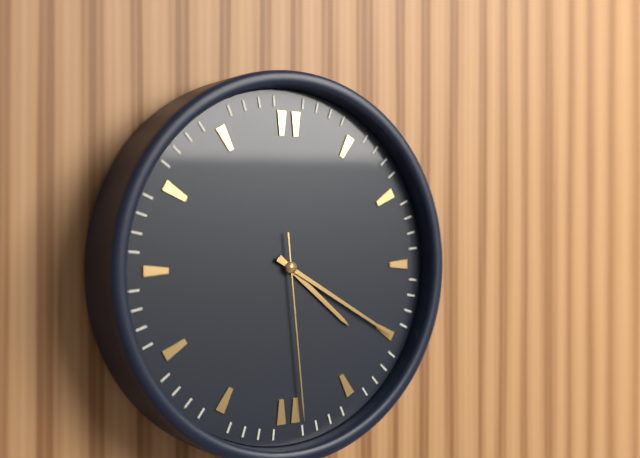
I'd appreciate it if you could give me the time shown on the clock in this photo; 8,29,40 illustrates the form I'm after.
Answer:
4,20,29
